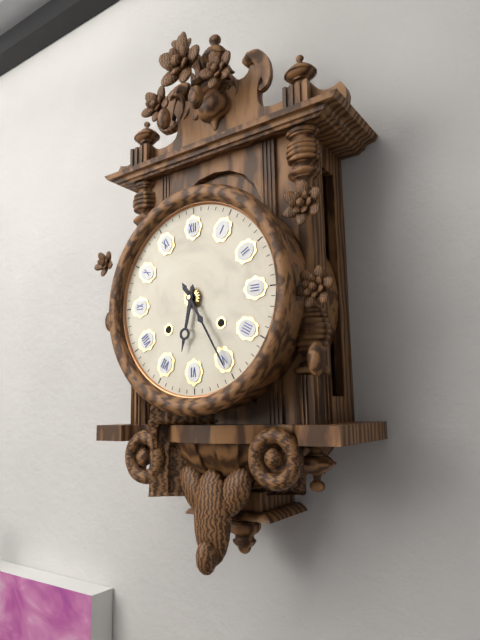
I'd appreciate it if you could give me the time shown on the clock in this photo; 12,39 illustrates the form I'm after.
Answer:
6,25
